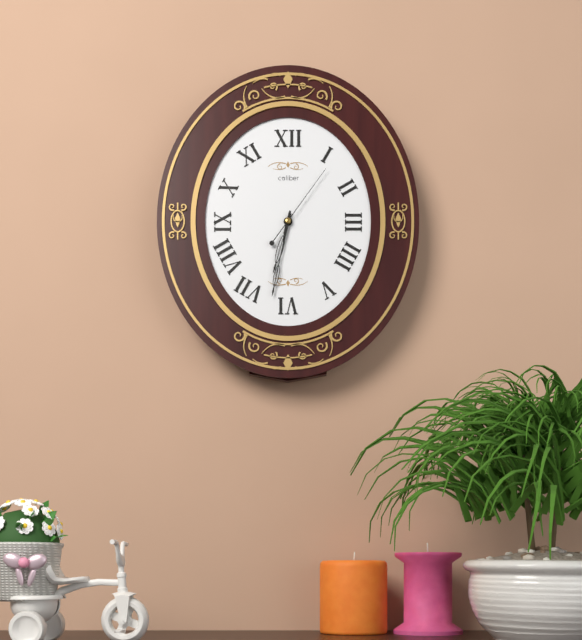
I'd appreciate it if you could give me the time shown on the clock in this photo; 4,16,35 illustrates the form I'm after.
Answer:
6,32,06
